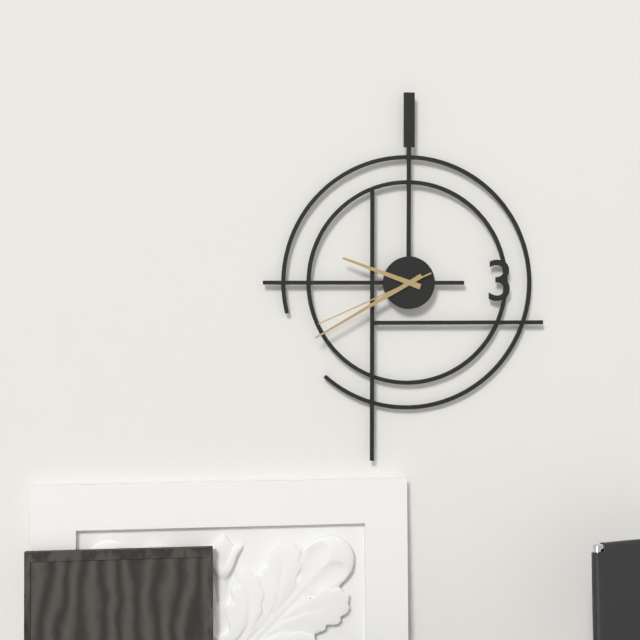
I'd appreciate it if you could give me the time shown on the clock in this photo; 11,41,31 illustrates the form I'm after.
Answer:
9,40,41
